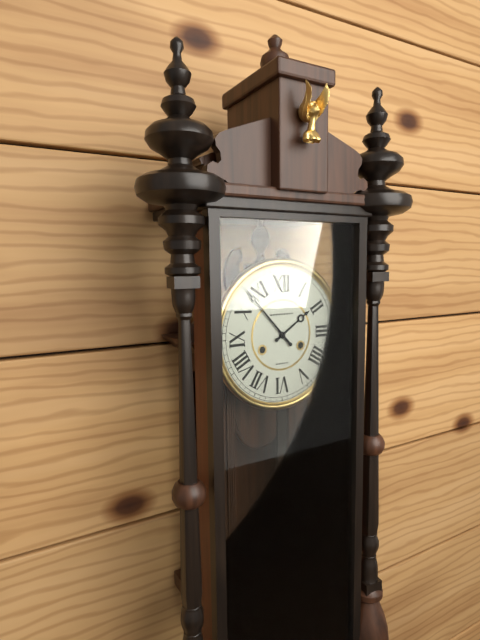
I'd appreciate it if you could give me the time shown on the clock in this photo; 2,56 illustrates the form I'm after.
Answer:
1,53
